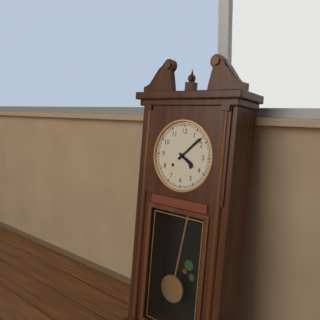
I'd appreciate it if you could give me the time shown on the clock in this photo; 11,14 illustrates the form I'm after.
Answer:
4,08
